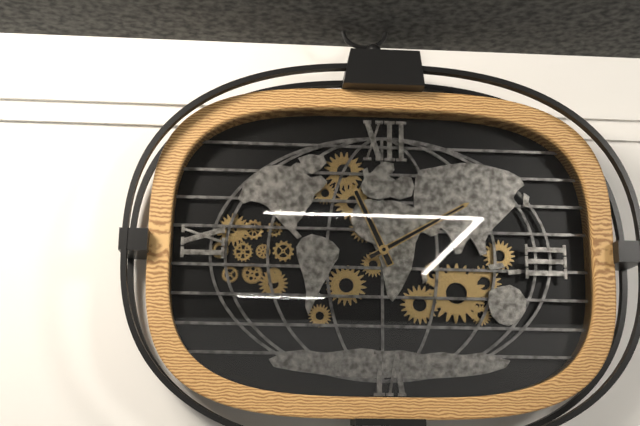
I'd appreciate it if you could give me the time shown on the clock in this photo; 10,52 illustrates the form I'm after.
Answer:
11,10
